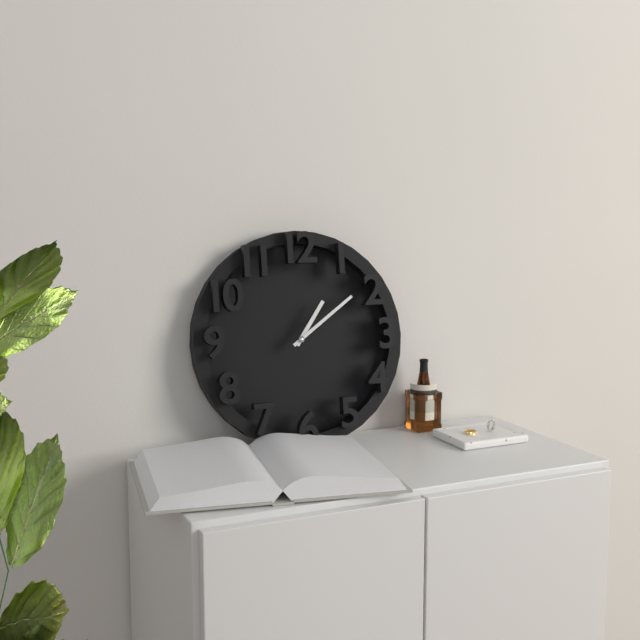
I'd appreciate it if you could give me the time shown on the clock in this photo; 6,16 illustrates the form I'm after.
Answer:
1,09
